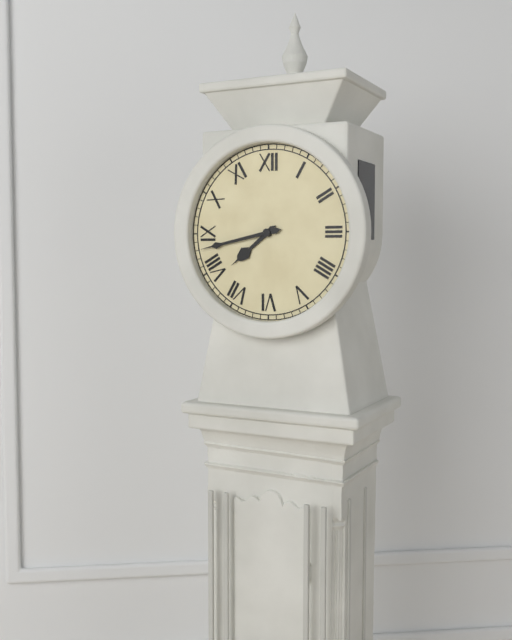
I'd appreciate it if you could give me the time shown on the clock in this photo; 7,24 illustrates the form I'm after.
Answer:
7,43
